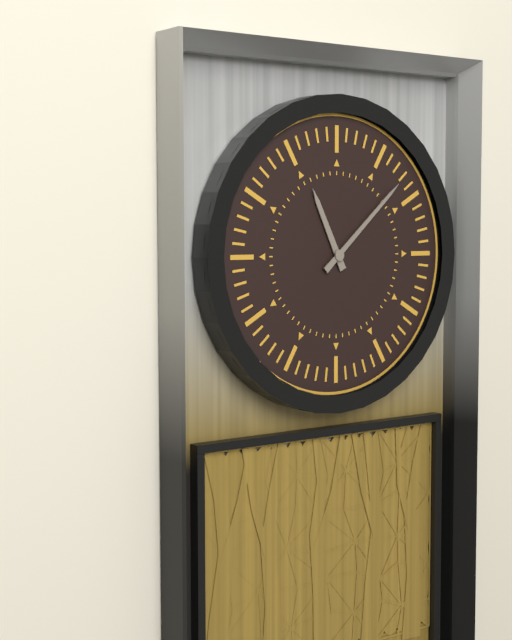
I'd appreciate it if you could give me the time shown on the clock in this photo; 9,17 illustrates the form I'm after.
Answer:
11,08
